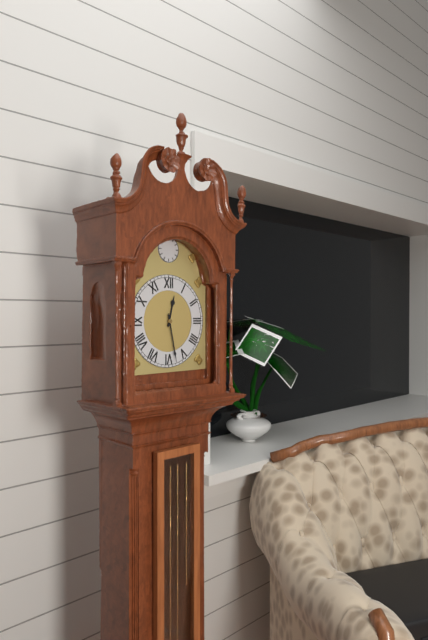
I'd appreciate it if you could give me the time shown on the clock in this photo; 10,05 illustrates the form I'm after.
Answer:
12,28
